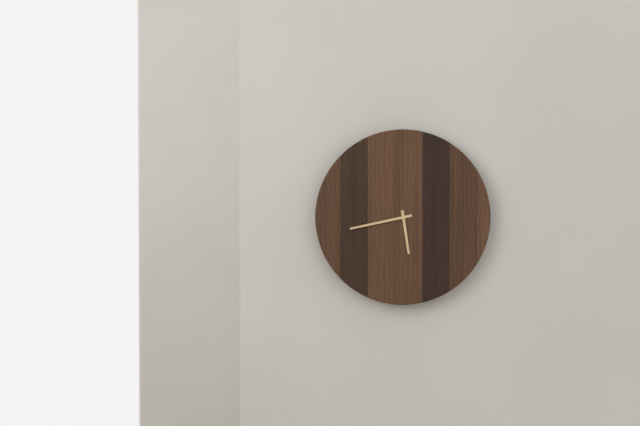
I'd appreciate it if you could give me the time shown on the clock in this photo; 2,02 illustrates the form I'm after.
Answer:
5,43
